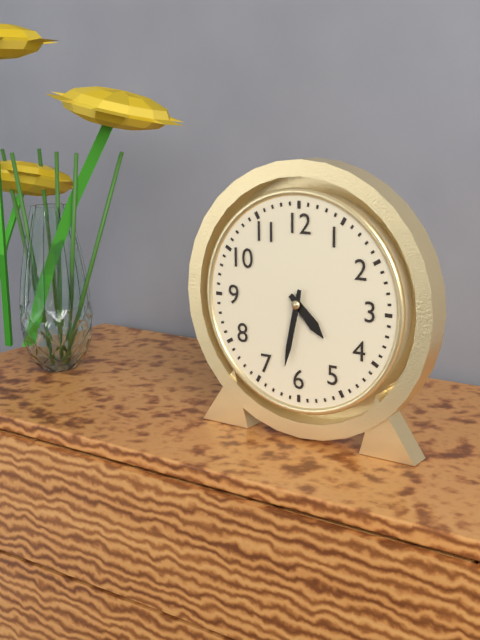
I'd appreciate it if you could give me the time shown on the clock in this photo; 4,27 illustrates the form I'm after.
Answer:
4,32
